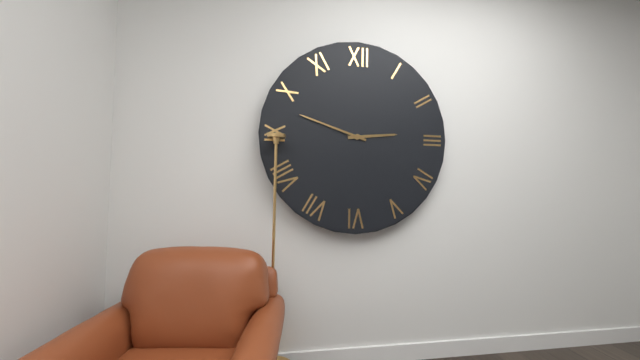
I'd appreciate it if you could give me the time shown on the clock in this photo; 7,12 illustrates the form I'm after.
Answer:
2,48
